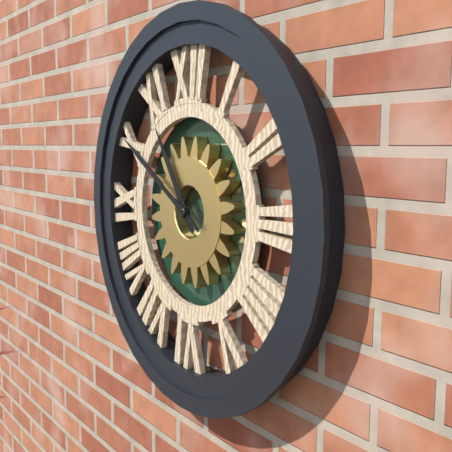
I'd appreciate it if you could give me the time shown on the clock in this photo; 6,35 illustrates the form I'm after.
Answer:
10,50
